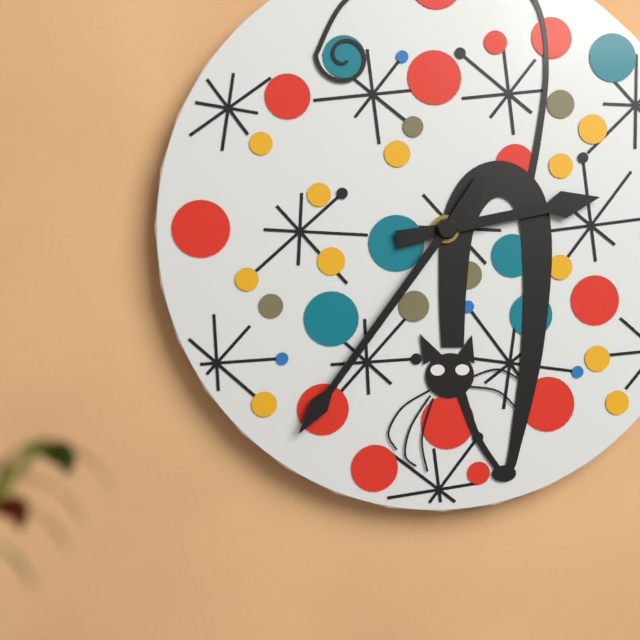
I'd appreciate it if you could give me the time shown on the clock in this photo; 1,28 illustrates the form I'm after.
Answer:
2,36
